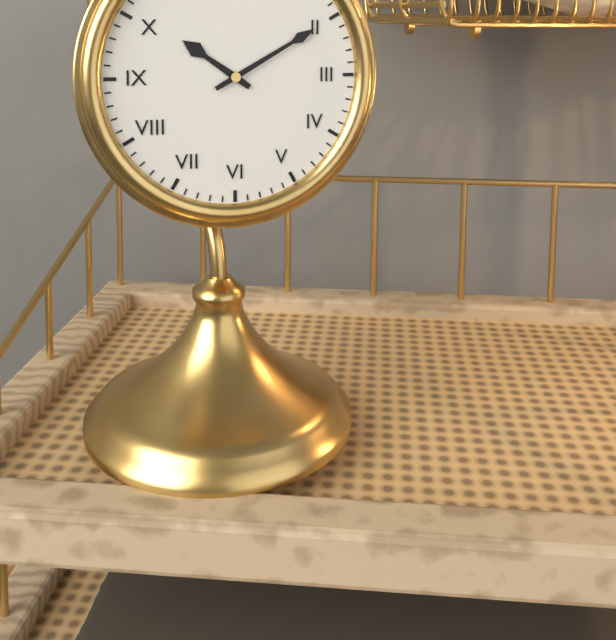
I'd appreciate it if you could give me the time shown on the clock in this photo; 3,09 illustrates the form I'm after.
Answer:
10,10
